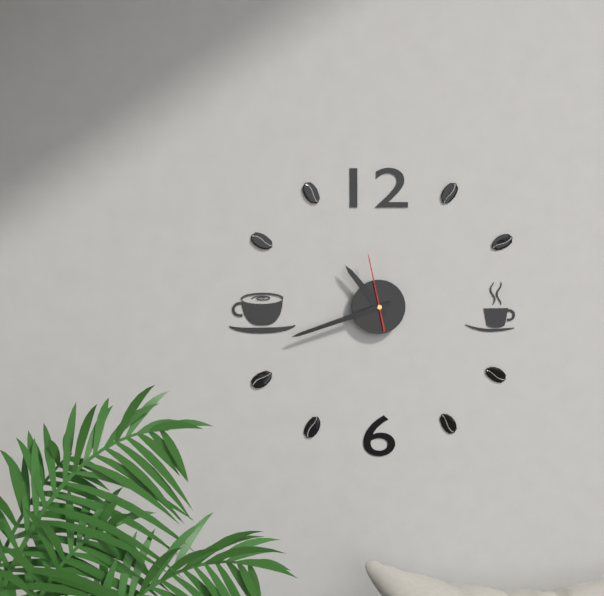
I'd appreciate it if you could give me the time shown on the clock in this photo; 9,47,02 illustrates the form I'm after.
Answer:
10,42,58
